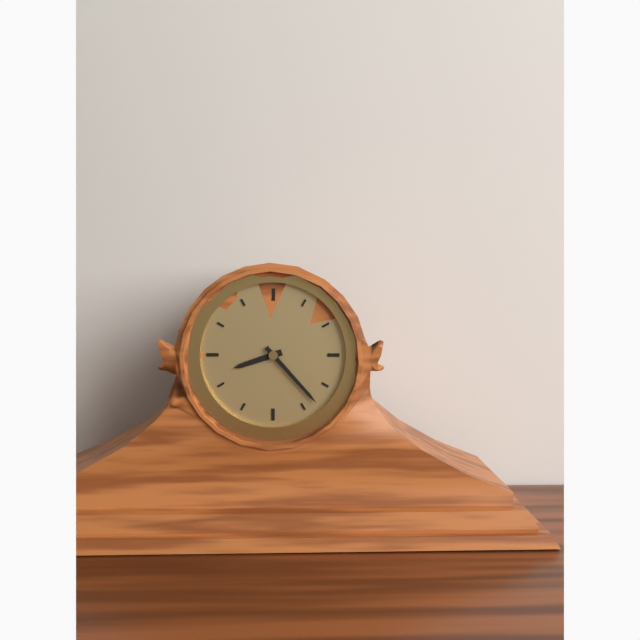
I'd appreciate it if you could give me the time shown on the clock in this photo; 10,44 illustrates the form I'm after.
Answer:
8,23
